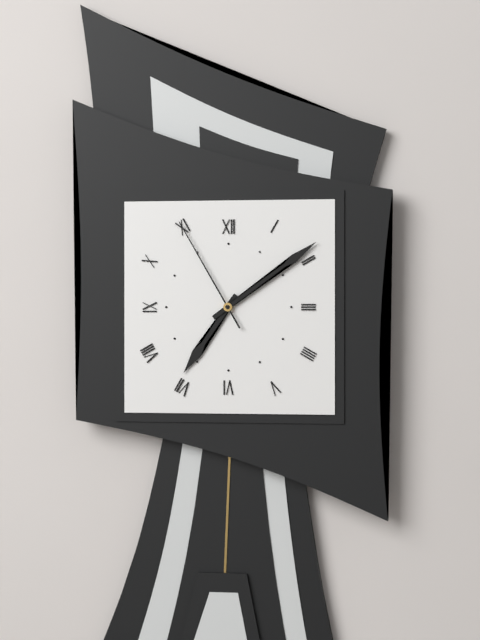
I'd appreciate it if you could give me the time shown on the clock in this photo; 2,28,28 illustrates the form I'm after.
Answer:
7,09,55
